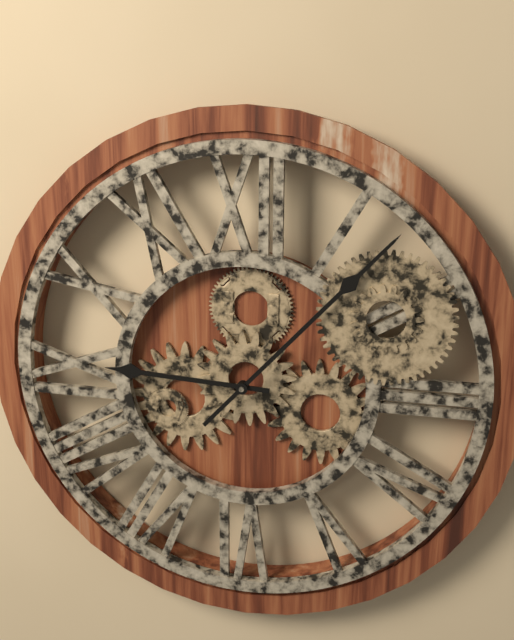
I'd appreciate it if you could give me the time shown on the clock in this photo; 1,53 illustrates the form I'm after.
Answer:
9,07
